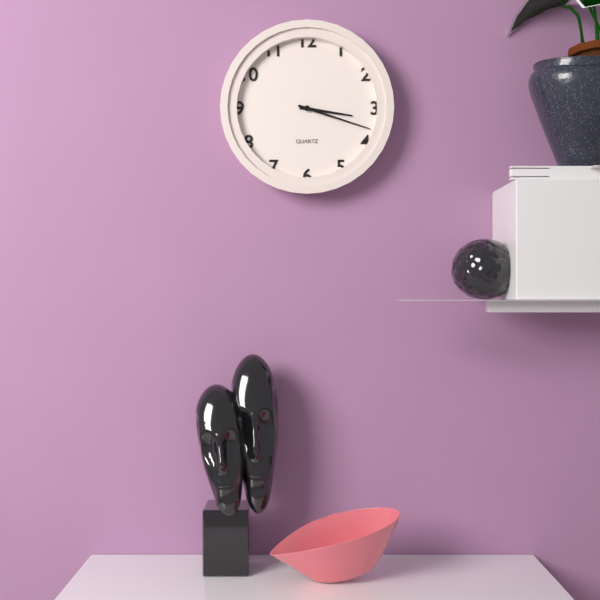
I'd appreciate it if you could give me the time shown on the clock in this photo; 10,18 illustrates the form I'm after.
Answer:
3,18
